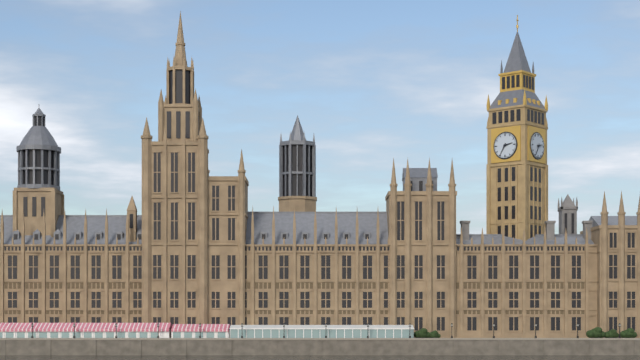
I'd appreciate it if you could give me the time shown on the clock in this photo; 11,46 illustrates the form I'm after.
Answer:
2,35
